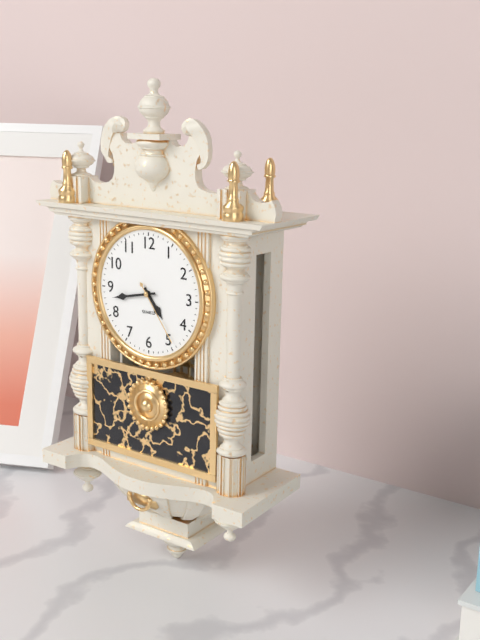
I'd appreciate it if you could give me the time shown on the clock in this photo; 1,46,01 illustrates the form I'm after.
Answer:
4,43,24
